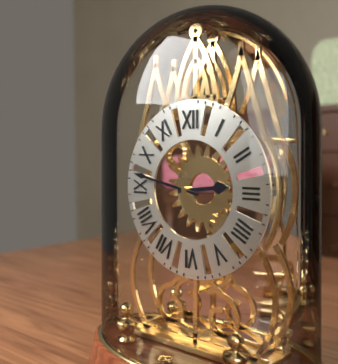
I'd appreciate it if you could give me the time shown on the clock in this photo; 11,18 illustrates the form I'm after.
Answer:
2,47
